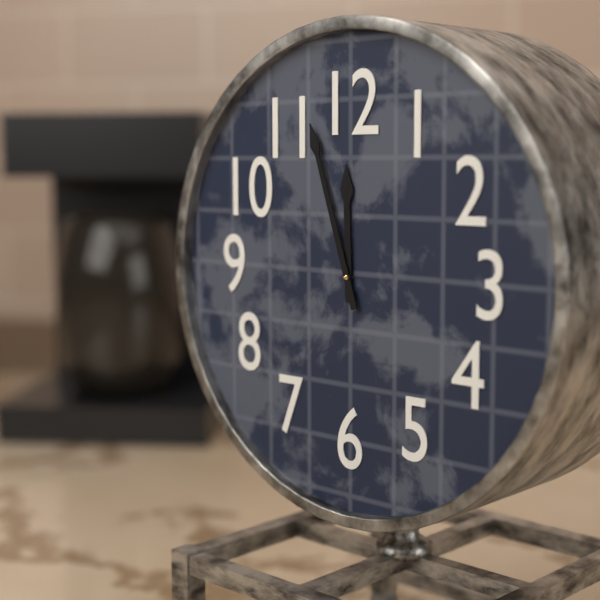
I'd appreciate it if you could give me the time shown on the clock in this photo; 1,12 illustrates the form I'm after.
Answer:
11,57
